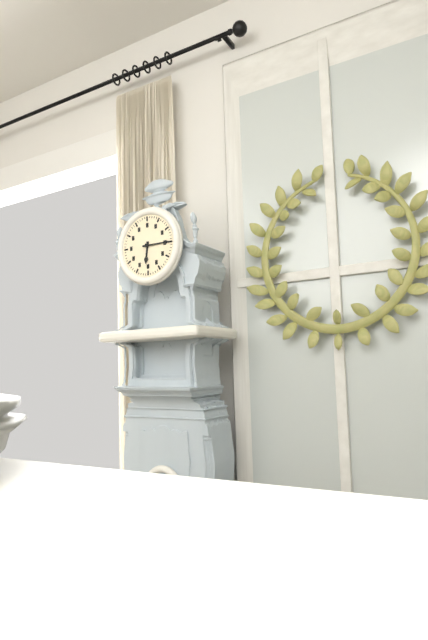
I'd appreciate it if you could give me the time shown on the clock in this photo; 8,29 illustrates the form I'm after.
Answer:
6,15
